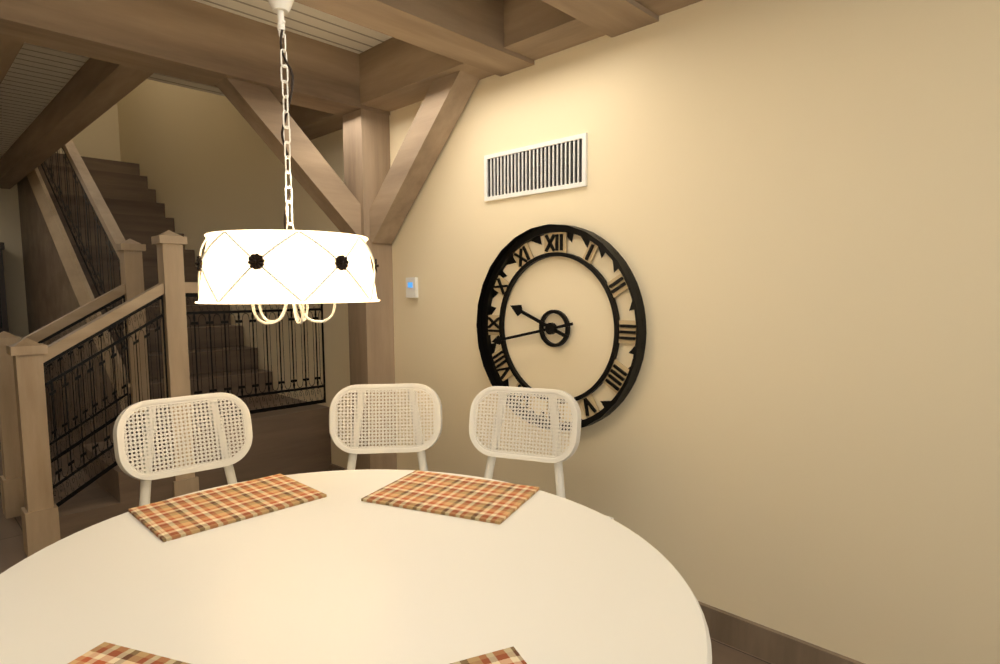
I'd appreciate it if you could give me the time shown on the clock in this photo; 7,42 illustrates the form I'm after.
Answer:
9,43
